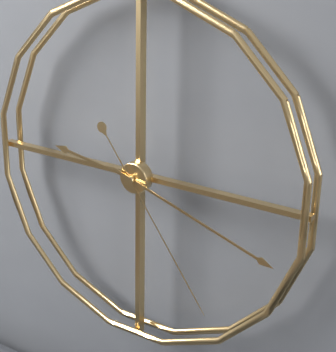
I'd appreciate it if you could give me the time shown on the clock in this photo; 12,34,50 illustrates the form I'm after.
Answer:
9,18,24
